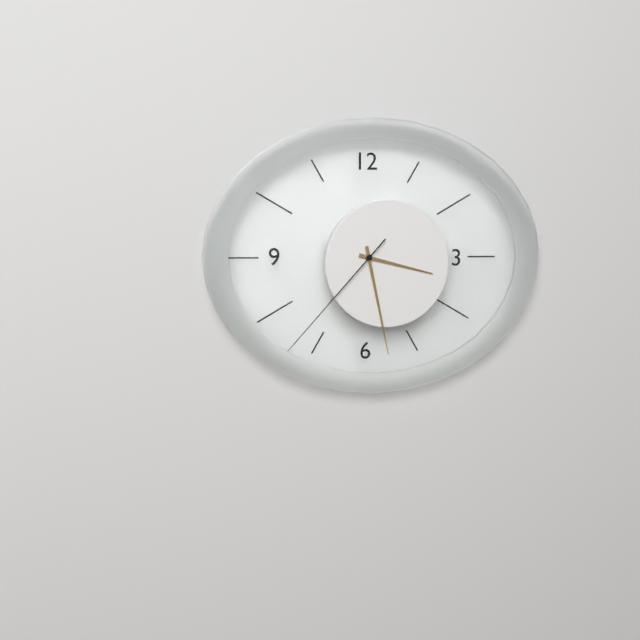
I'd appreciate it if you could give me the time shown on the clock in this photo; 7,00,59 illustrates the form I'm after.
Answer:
3,28,37
